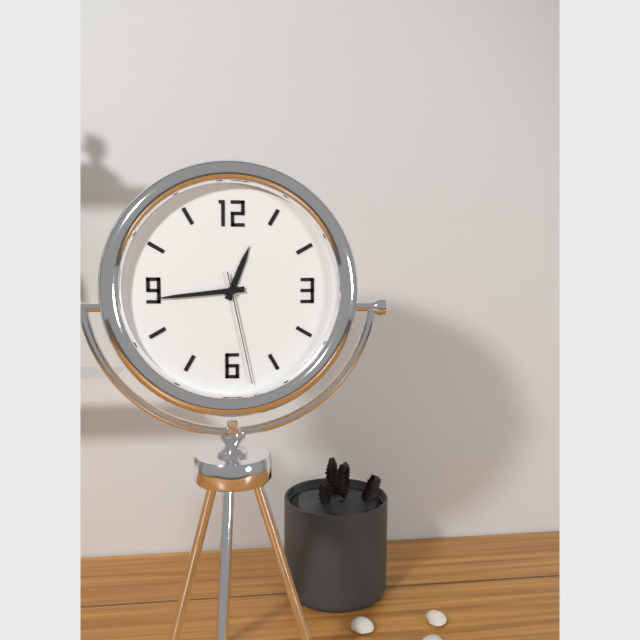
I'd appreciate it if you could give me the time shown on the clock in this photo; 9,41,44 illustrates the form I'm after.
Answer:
12,44,28
